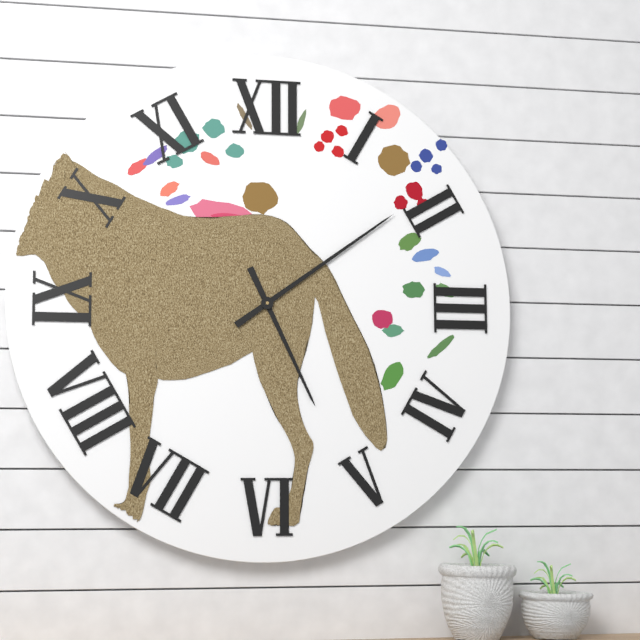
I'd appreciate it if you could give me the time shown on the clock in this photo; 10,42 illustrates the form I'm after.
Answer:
5,09
